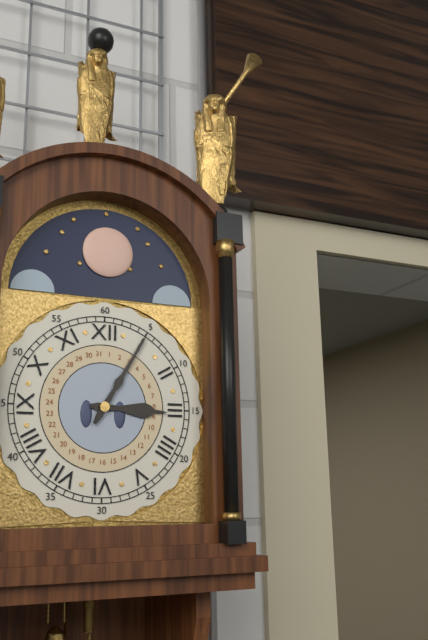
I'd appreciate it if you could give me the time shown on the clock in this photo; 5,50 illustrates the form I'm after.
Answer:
3,05
